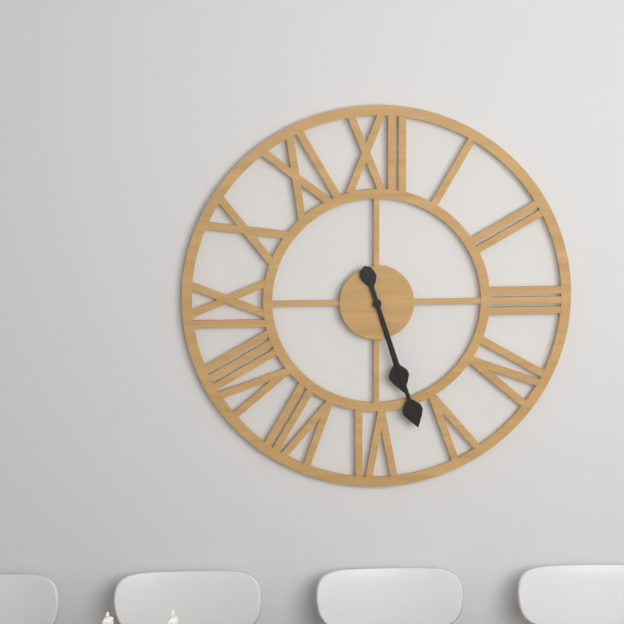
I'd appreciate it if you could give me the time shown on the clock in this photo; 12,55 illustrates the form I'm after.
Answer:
5,27
